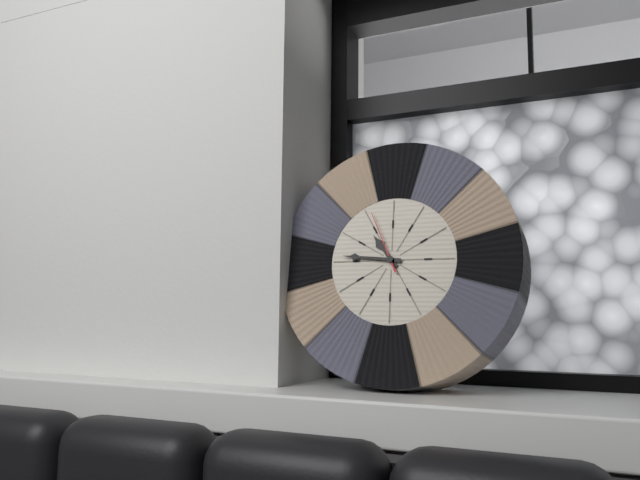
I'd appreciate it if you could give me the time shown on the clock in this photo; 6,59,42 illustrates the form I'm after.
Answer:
10,46,56
